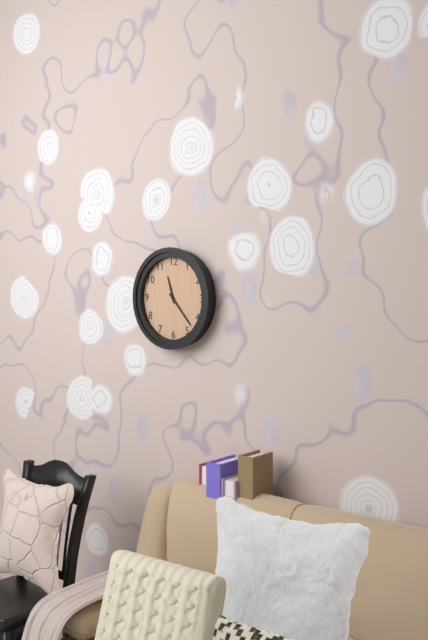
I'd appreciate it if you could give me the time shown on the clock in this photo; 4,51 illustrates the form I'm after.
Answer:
11,23
